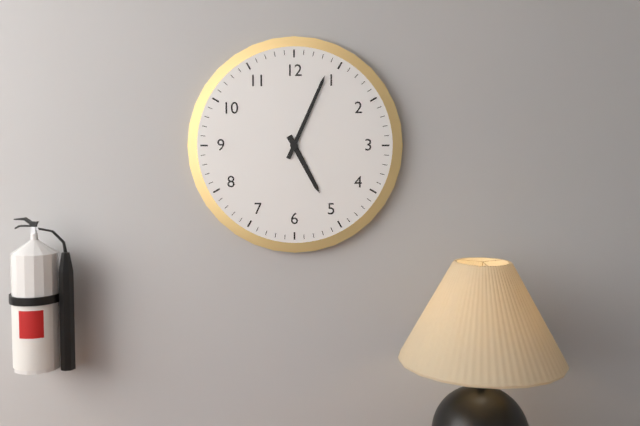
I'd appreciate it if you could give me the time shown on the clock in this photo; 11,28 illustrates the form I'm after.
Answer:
5,04
